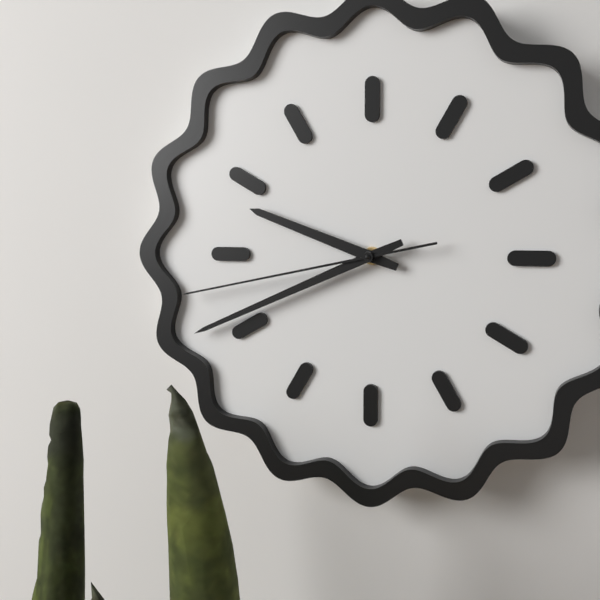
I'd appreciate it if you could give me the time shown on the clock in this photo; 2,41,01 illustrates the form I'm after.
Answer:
9,41,43
